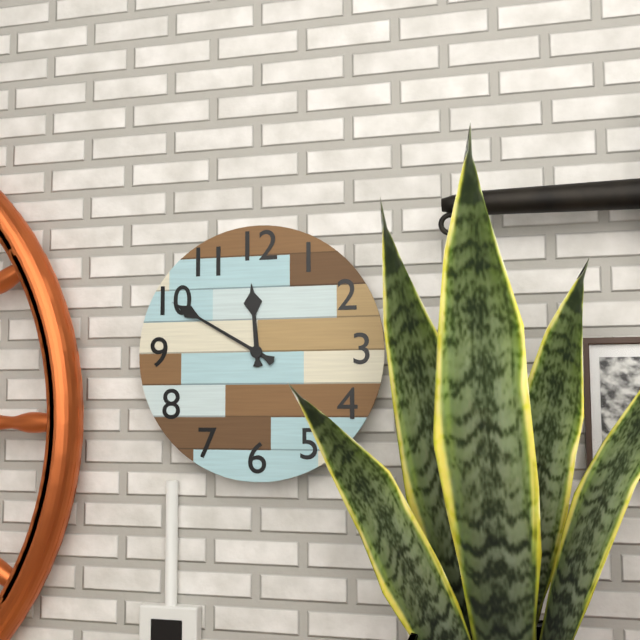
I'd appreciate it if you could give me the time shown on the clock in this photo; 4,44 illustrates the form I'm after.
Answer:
11,50
